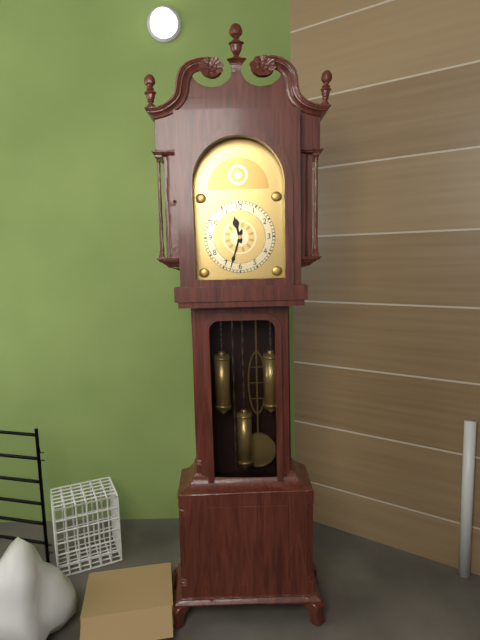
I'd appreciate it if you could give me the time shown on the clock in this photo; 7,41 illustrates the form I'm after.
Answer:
11,33
